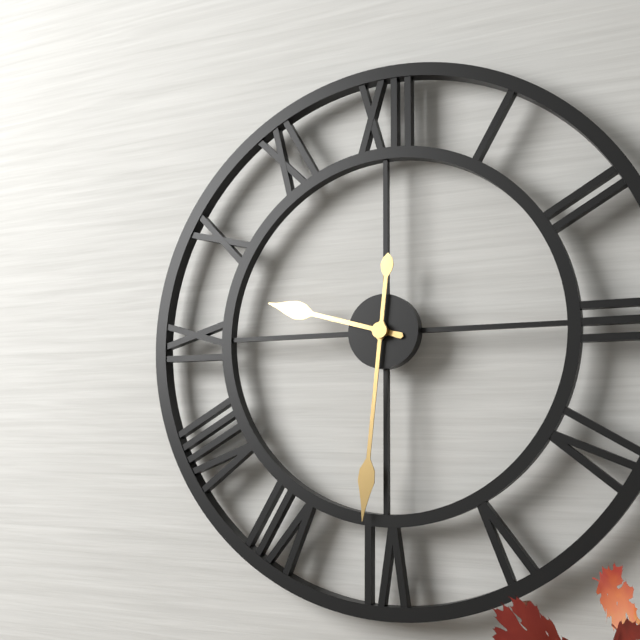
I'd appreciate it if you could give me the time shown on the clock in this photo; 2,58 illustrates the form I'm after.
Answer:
9,31
